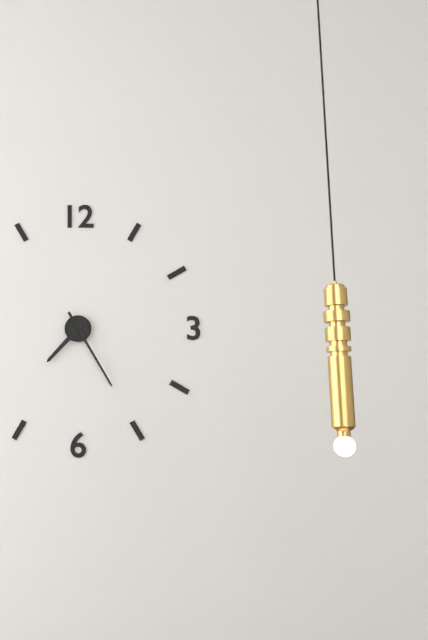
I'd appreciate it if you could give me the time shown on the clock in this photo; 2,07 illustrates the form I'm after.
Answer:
7,25
